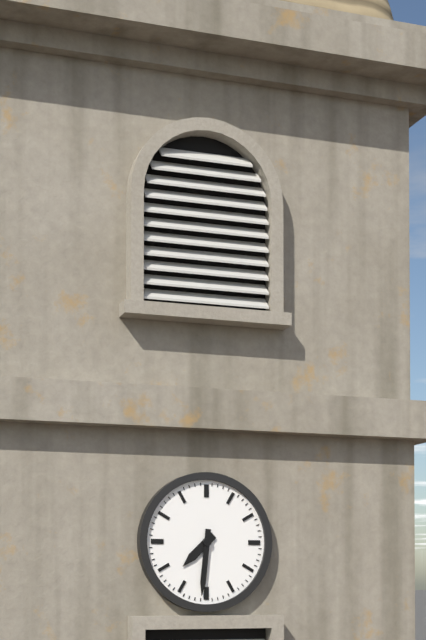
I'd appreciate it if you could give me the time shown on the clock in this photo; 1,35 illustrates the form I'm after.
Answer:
7,31
